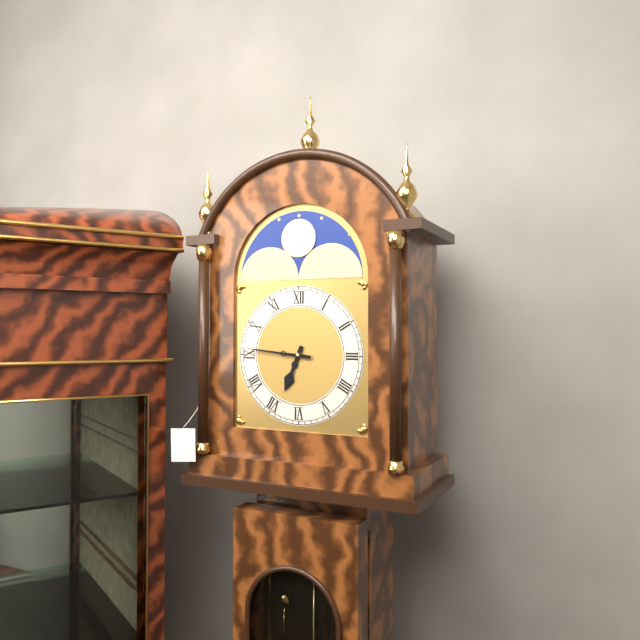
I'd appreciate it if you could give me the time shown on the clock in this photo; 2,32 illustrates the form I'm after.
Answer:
6,46
